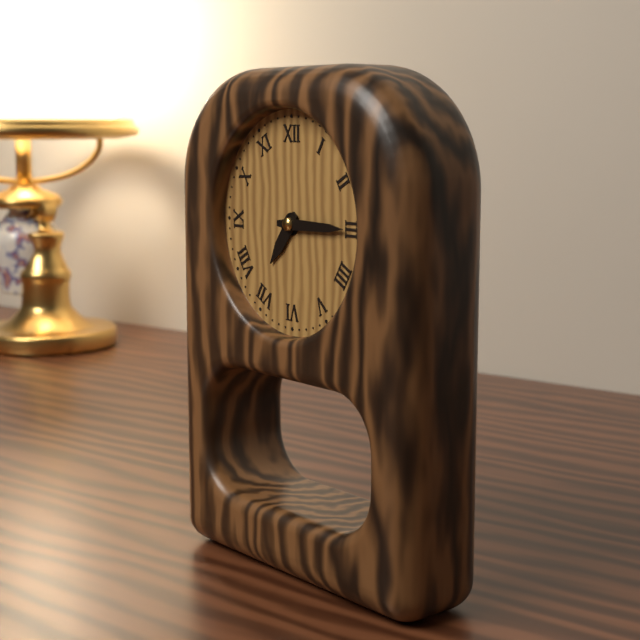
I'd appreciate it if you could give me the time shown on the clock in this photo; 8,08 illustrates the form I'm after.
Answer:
7,15
